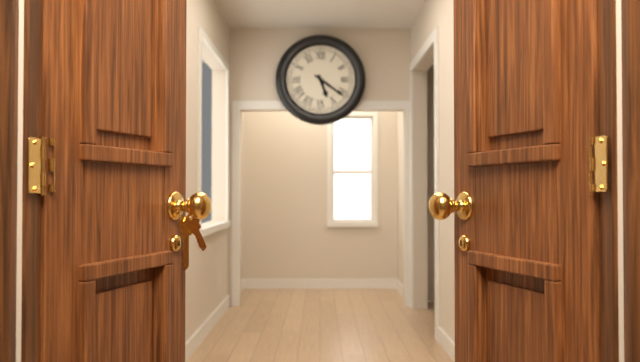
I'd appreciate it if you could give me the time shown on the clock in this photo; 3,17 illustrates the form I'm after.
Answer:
5,21
